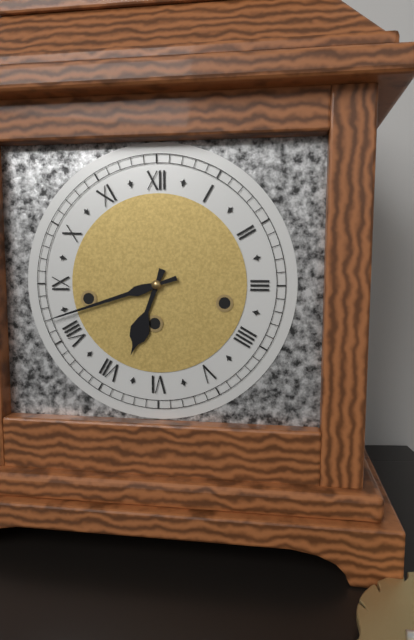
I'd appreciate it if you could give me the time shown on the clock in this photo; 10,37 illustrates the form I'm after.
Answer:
6,42
